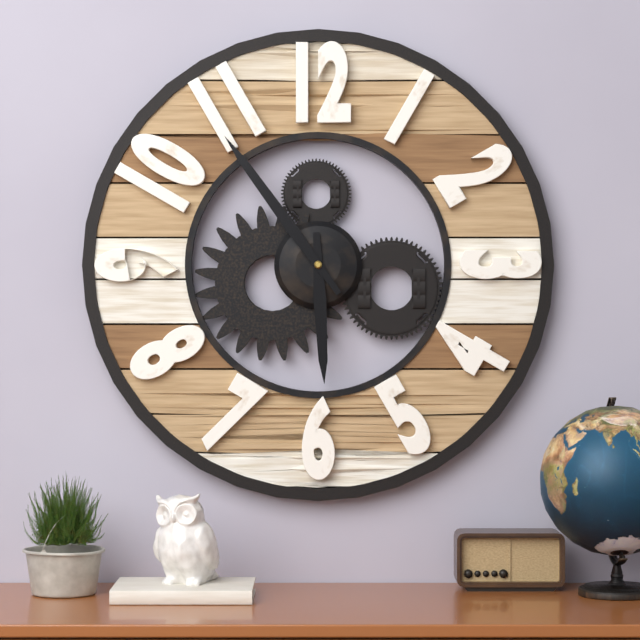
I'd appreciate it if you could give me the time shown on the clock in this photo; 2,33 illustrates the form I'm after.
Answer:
5,54
